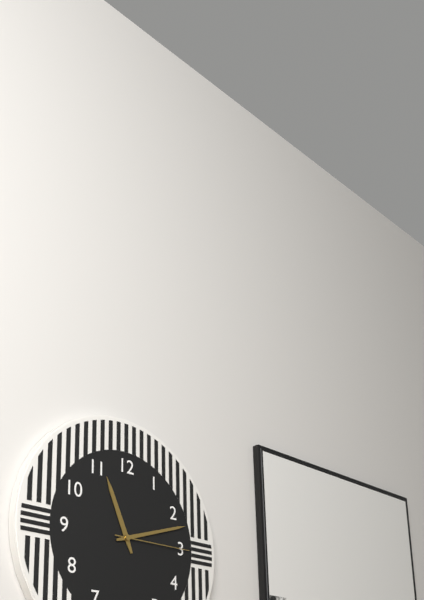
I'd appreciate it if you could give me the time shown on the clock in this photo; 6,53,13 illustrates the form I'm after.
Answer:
11,12,15
